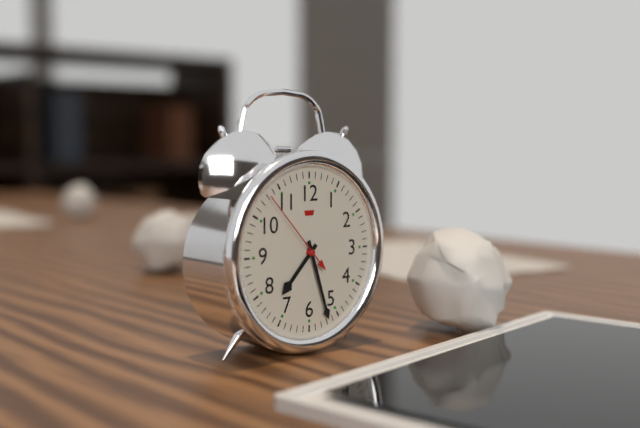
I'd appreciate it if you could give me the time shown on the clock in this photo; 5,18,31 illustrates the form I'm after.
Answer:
7,27,53
